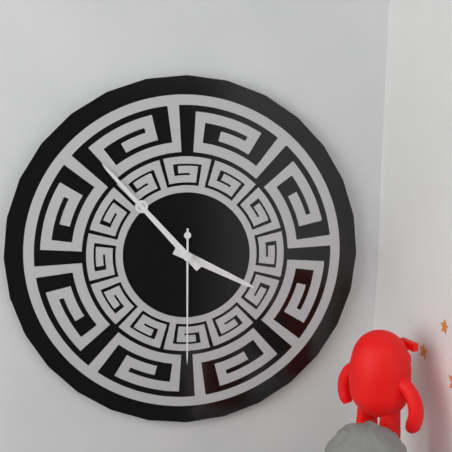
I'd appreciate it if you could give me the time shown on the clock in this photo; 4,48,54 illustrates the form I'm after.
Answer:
3,53,30
